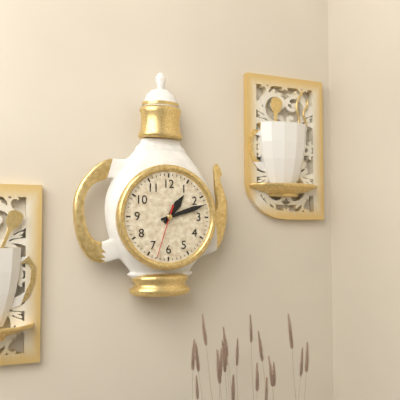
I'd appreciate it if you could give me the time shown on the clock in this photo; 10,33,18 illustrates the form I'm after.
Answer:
1,12,33
